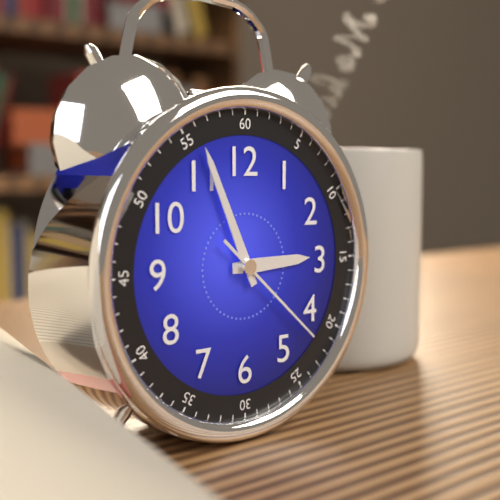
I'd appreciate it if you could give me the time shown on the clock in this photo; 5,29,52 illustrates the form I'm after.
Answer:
2,56,22
